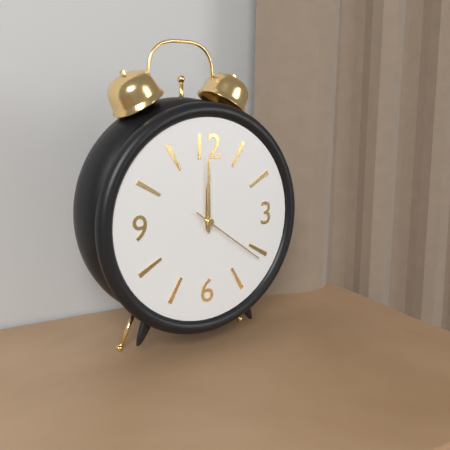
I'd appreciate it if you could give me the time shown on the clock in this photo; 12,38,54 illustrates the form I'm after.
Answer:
12,00,21
